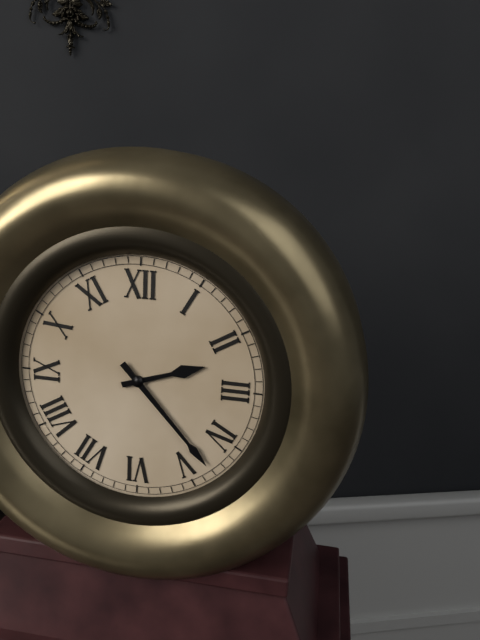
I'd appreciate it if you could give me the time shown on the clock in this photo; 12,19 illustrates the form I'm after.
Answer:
2,23
